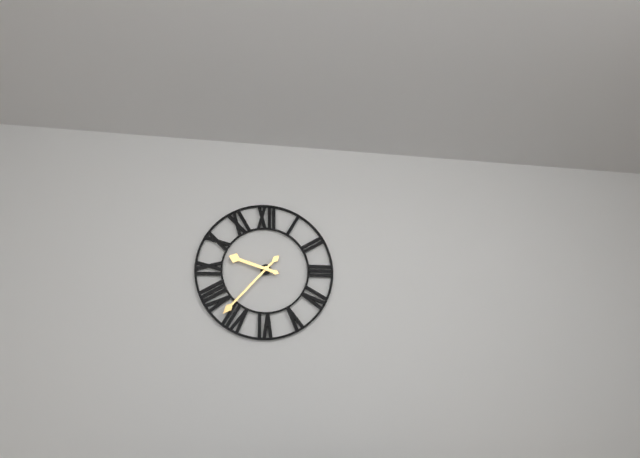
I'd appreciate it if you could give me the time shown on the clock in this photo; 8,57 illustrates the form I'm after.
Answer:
9,37
